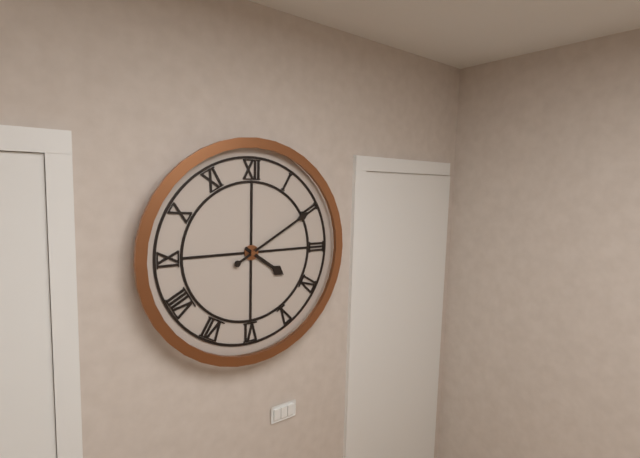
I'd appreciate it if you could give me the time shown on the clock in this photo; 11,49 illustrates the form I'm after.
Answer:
4,10
